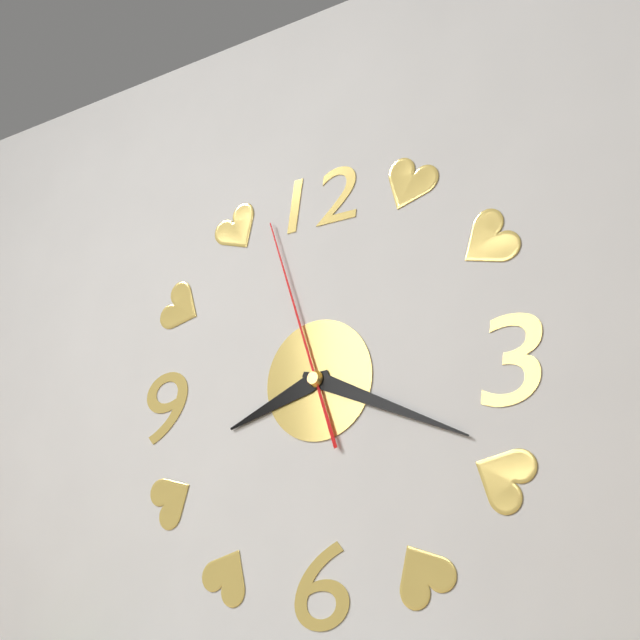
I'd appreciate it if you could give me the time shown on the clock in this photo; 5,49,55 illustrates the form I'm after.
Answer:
8,19,57
